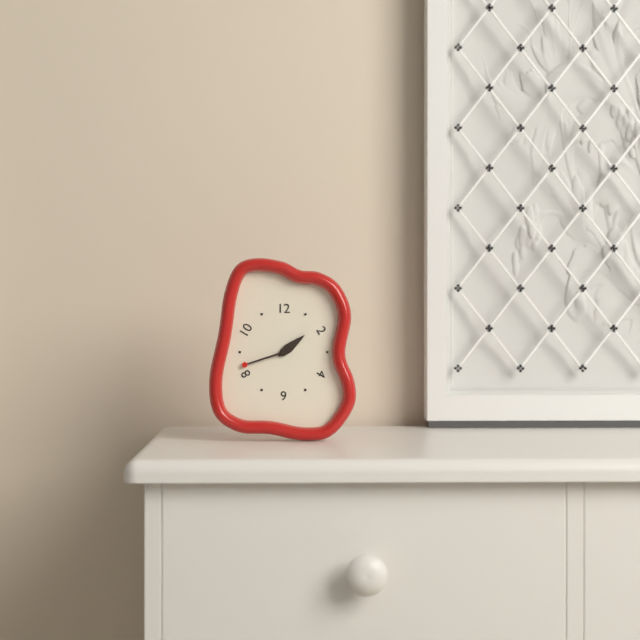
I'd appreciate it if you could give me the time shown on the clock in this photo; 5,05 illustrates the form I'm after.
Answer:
1,42
